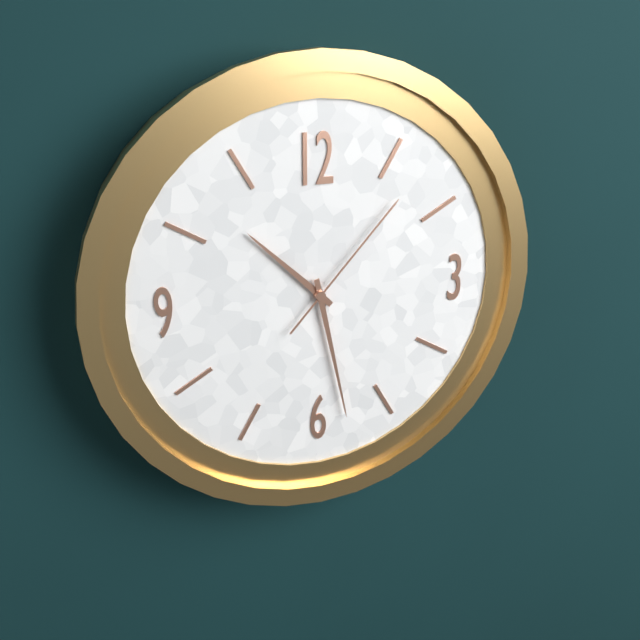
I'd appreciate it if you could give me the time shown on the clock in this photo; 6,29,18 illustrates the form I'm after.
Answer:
10,28,07
